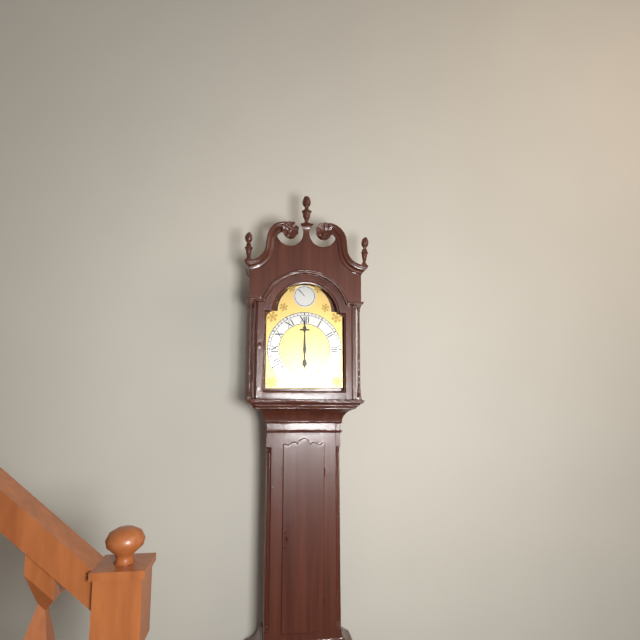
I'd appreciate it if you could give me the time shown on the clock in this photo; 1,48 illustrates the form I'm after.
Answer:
6,00
